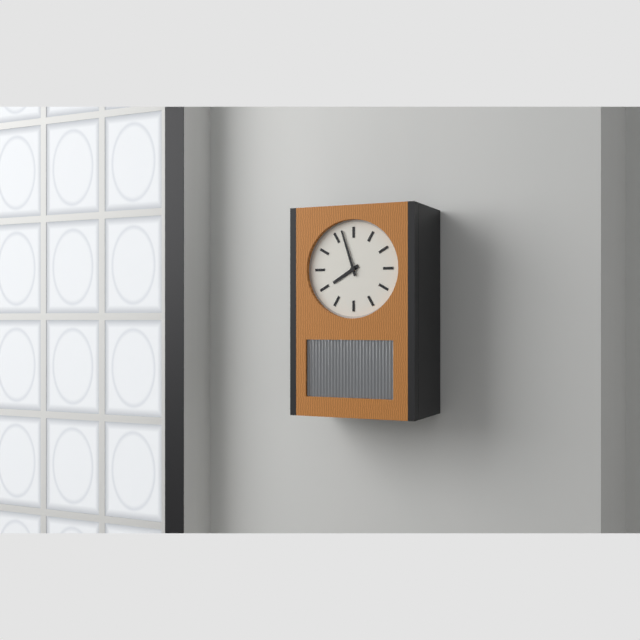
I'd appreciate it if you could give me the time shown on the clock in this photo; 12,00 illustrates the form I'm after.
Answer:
7,57
